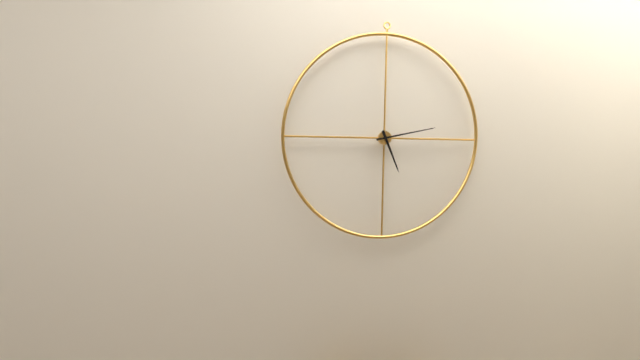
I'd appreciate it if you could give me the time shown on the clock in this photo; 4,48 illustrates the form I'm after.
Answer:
5,13
